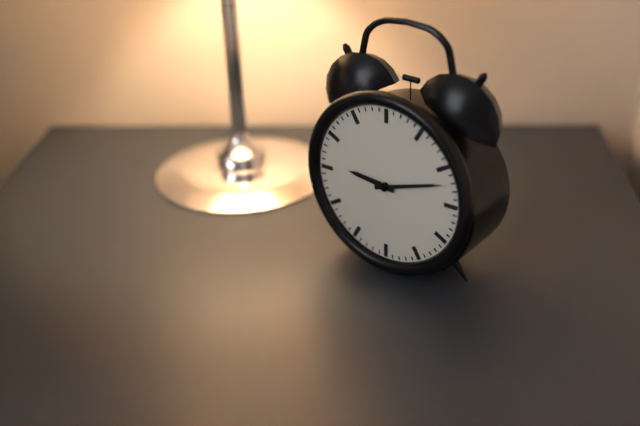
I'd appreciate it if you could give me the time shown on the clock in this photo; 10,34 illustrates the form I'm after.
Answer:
9,12
